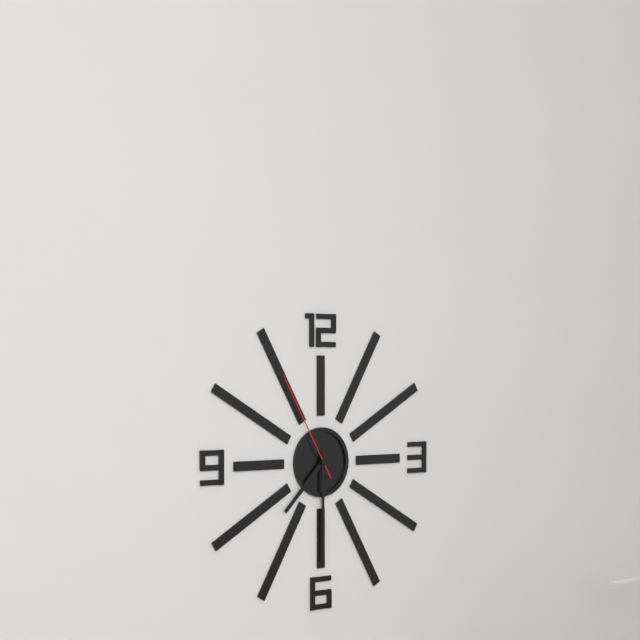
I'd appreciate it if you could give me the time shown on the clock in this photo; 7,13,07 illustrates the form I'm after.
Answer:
7,30,55
